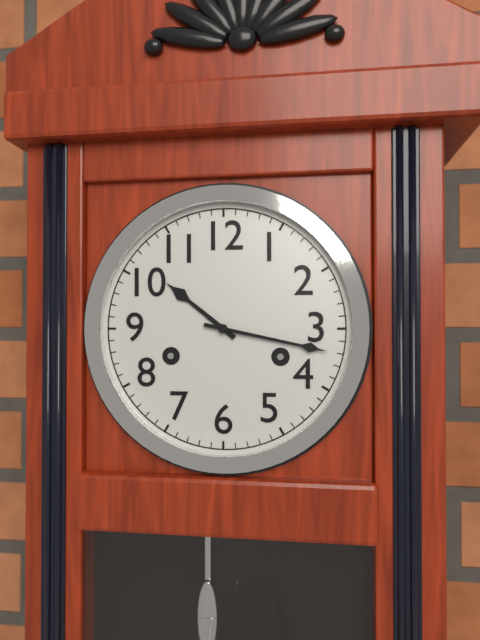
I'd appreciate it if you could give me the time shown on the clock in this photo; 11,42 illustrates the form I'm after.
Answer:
10,17
